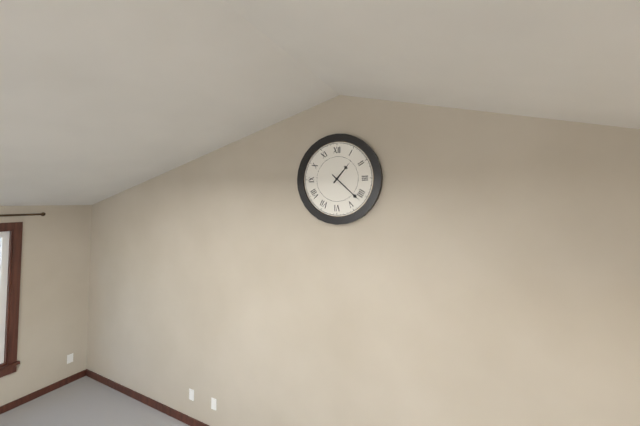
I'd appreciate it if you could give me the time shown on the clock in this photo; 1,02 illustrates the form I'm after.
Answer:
1,22
